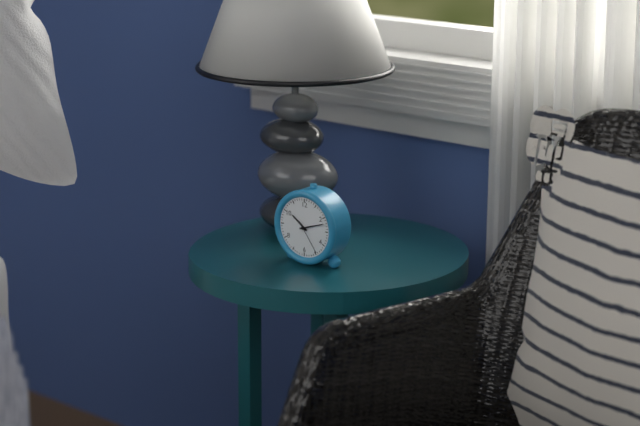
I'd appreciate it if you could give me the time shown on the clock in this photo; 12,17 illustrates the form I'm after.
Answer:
10,12
